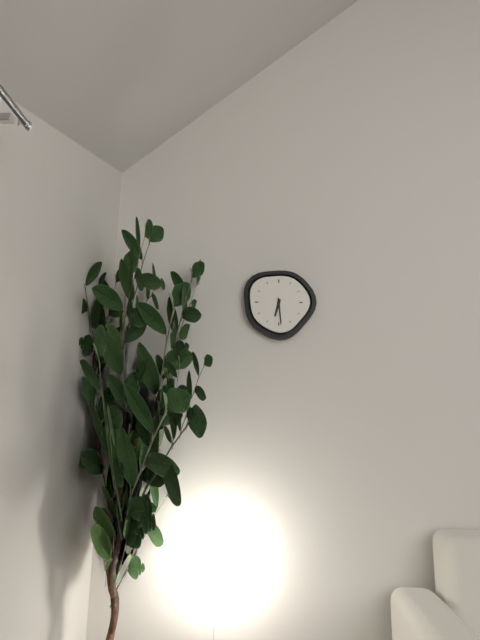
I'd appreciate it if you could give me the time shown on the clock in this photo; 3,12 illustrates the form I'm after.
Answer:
6,29
